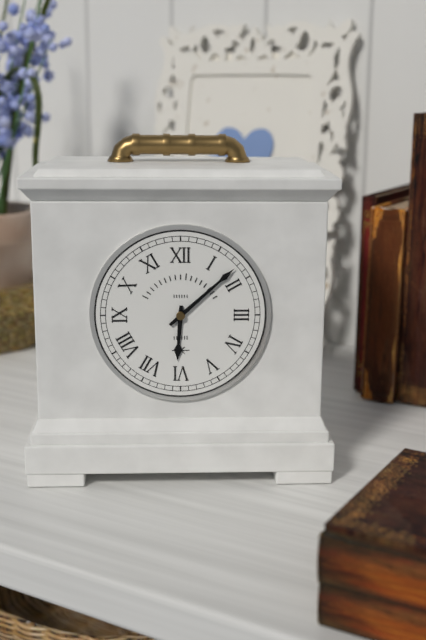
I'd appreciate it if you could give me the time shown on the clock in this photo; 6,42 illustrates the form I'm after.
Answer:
6,08
